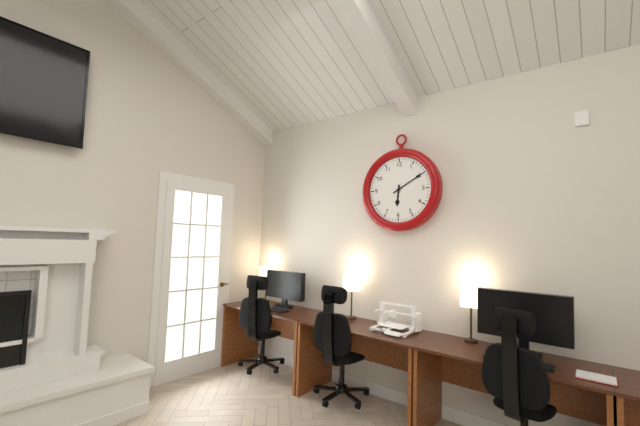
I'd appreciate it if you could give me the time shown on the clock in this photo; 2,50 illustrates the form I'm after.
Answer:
6,10
